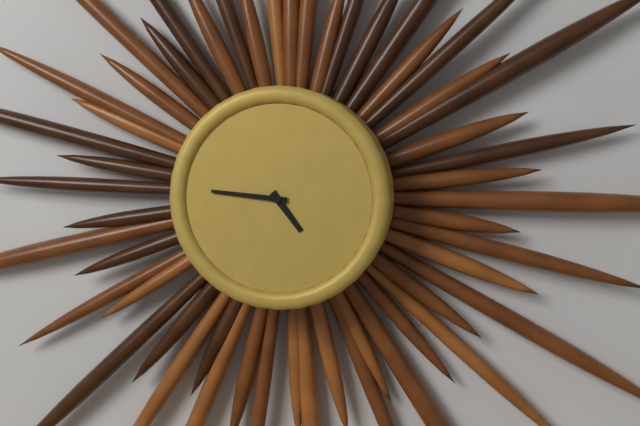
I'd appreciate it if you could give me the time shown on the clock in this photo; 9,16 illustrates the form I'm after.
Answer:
4,46
